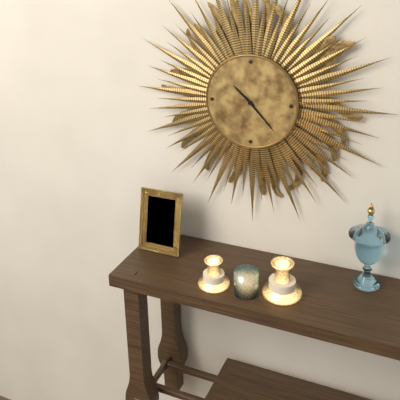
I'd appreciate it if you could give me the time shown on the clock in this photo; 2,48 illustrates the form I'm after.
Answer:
10,23
